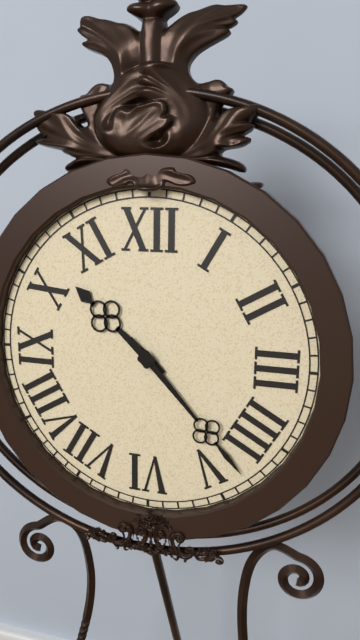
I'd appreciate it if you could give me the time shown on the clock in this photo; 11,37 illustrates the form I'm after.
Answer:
10,23
